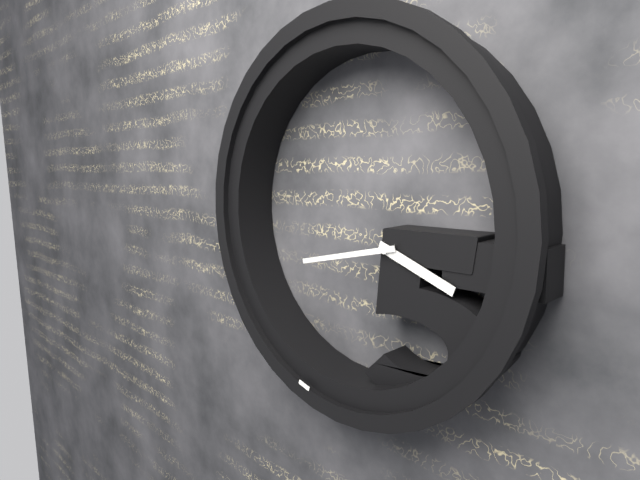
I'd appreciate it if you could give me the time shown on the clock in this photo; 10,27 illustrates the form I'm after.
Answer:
3,43
